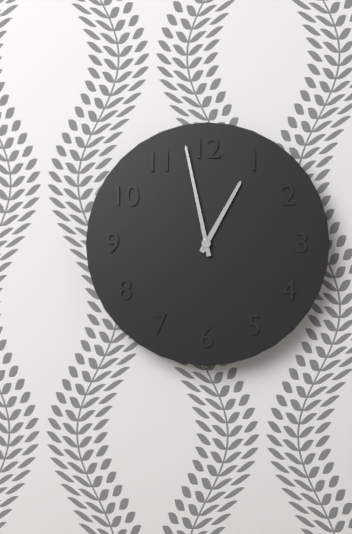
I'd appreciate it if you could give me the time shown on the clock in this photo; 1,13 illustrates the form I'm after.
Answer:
12,58
